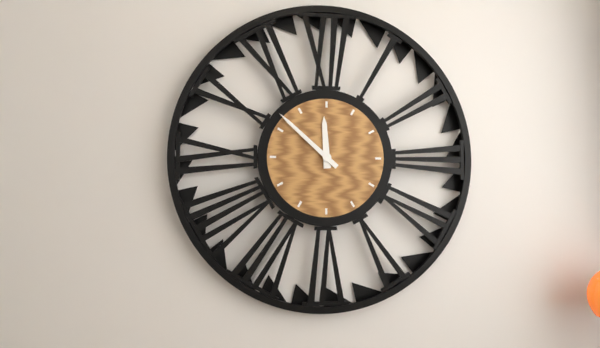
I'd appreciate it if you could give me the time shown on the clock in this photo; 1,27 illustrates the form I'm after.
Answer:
11,52
